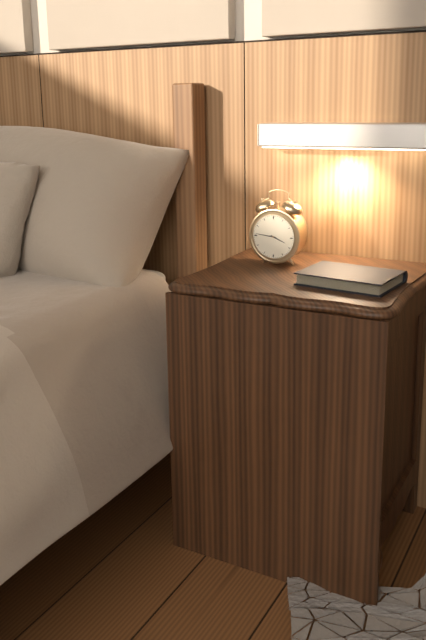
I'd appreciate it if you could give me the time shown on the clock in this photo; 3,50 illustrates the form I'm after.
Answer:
3,46
